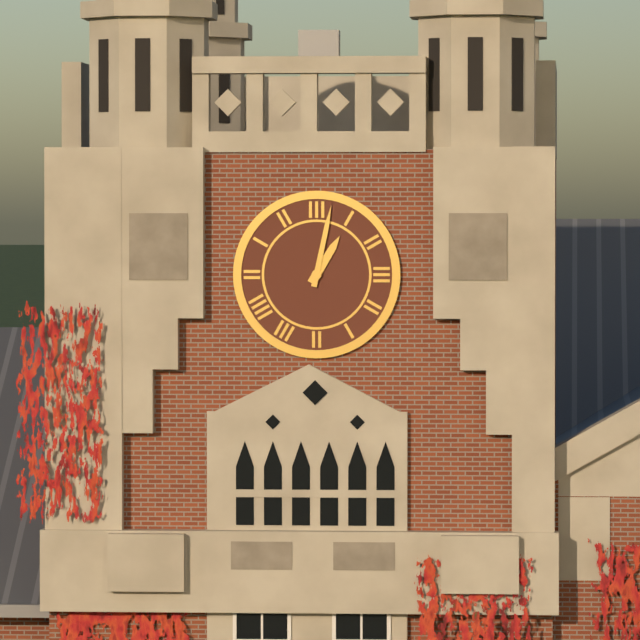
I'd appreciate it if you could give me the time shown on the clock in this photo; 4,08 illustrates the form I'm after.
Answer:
1,02
